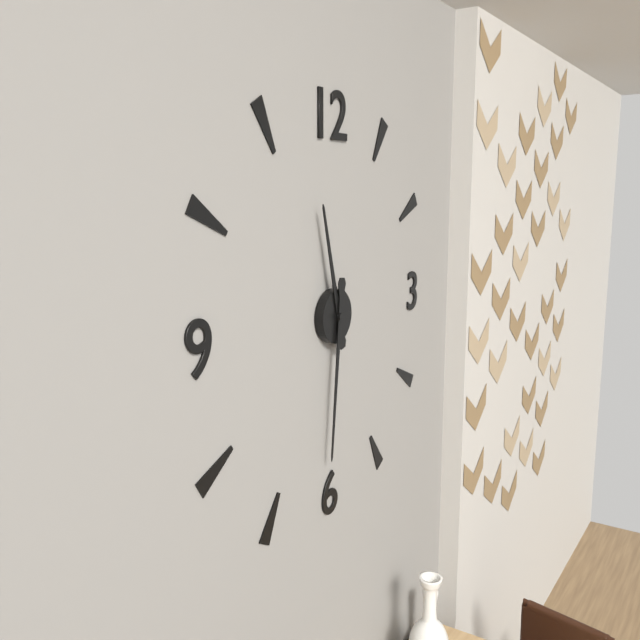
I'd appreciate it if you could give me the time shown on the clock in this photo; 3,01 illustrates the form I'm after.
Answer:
11,31
